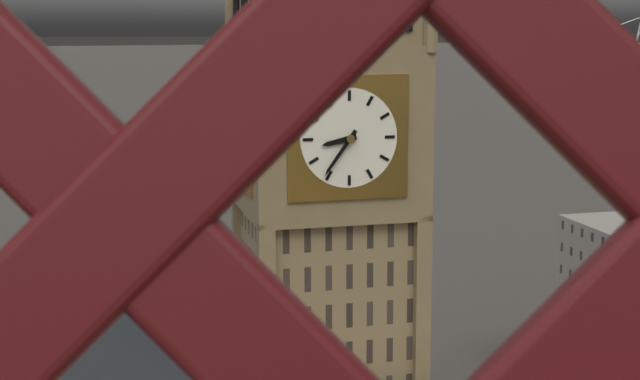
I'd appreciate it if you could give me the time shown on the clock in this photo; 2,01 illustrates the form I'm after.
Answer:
8,36
